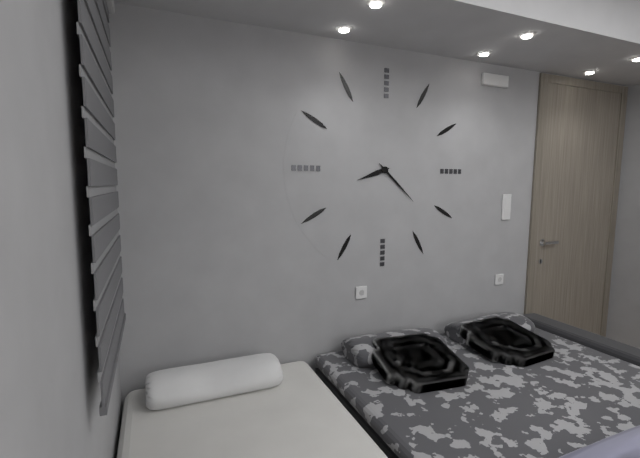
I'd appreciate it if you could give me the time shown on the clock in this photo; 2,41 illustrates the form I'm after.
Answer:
8,22
